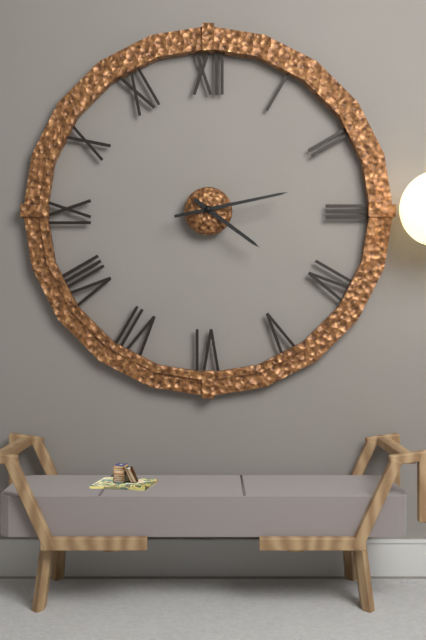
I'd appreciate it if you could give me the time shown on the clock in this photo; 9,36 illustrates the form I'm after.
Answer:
4,13
